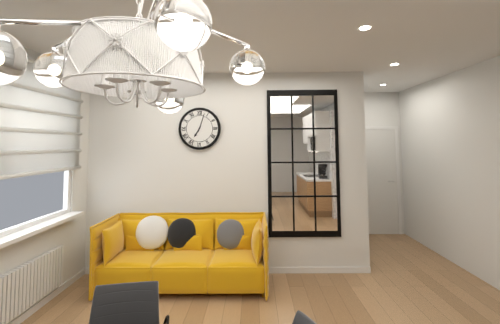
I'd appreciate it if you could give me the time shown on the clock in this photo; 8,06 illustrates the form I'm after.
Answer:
7,03
